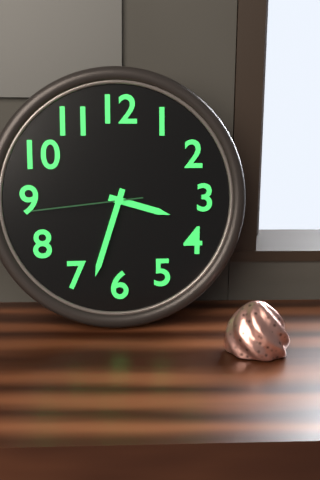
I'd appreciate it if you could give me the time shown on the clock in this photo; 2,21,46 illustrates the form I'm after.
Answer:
3,33,44
